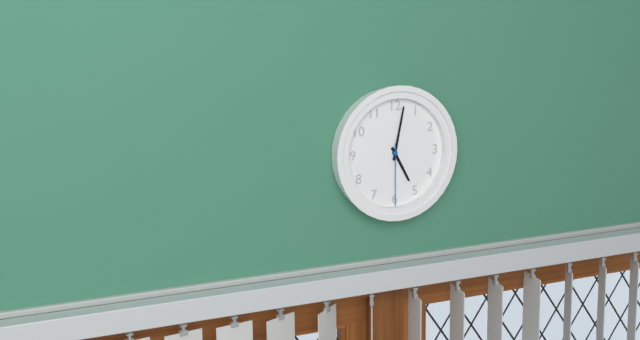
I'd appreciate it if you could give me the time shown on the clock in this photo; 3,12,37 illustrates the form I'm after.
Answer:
5,02,30
